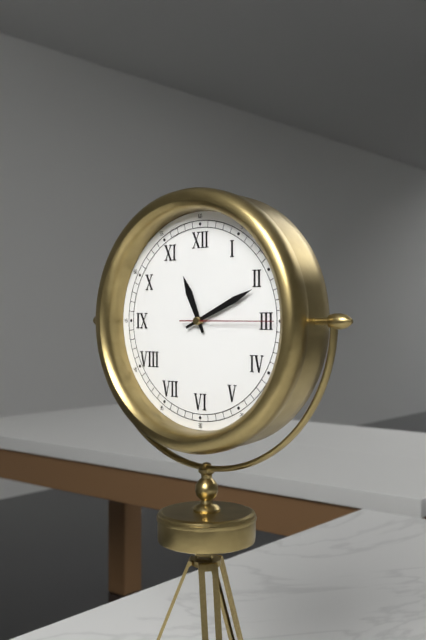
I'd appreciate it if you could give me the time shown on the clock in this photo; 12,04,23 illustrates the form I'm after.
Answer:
11,11,15
